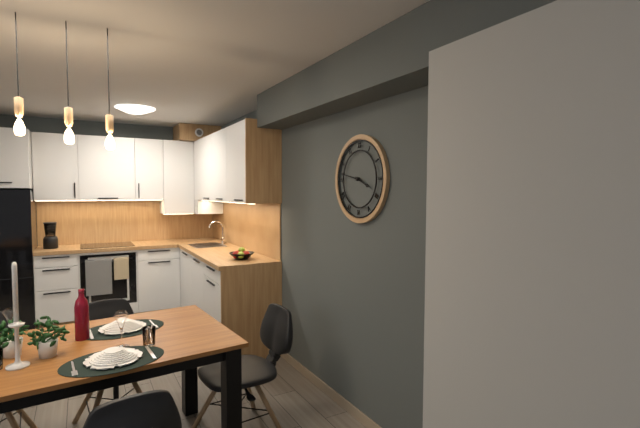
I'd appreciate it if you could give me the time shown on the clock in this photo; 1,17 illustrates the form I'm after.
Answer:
3,47
